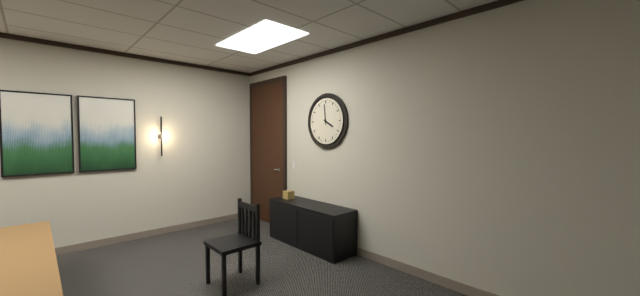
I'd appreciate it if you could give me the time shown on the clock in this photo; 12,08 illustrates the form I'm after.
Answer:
3,59
